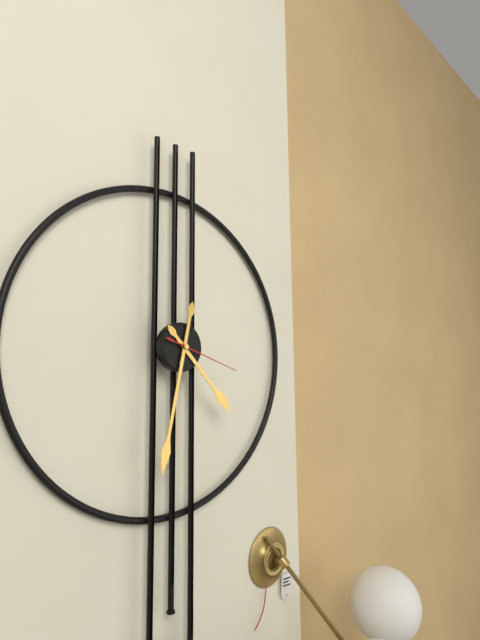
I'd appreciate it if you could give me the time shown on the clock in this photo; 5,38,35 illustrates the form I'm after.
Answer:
4,32,18
